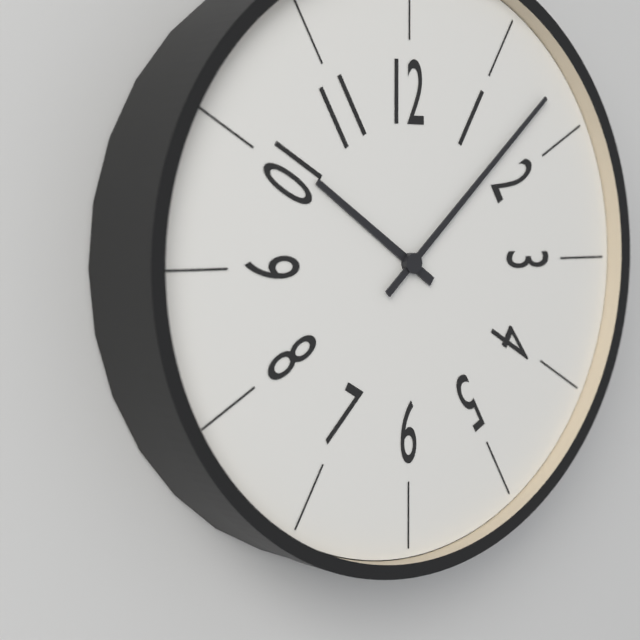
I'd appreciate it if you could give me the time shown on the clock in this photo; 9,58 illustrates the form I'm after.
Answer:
10,08
